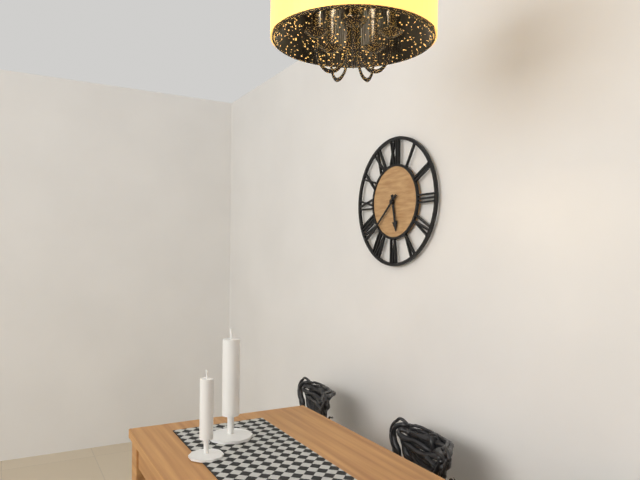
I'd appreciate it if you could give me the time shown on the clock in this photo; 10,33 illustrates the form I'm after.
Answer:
5,38
